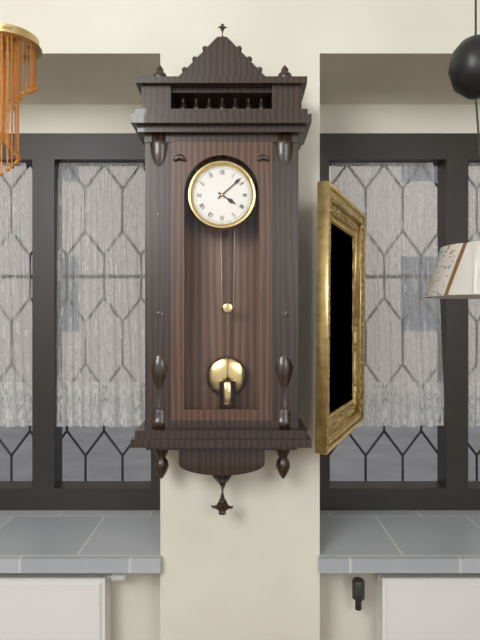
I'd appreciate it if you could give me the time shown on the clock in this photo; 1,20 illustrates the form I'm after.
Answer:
4,08
